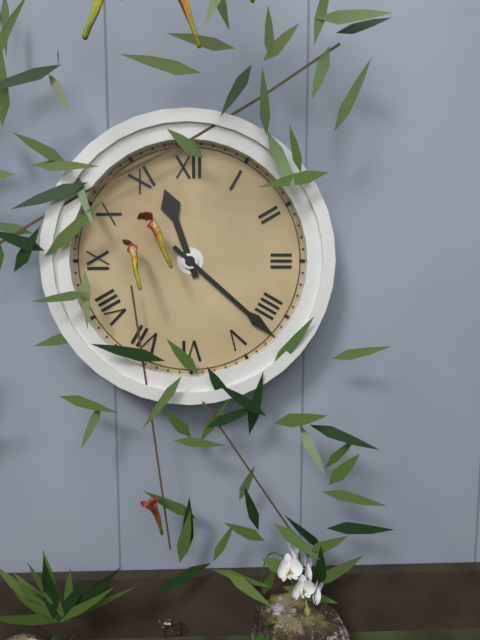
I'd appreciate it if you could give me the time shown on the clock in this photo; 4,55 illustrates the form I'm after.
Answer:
11,22
